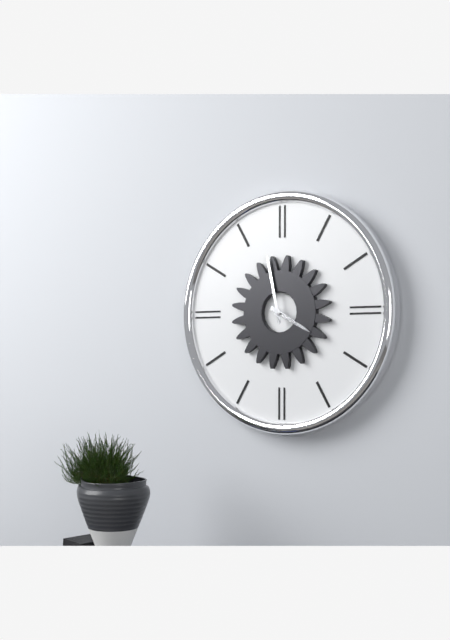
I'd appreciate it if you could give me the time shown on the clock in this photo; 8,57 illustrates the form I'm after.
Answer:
3,58
